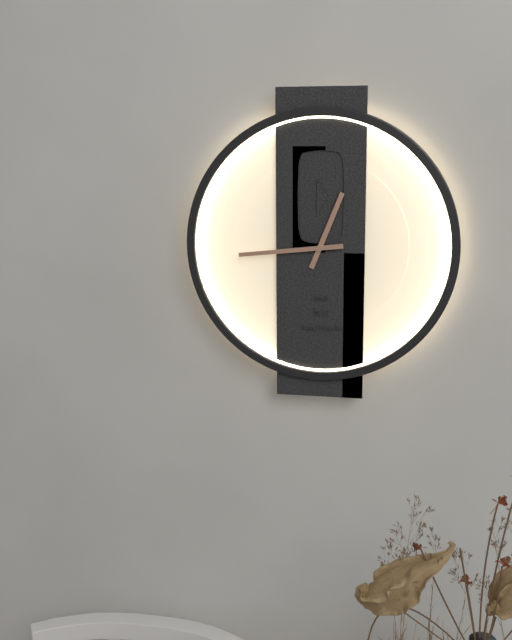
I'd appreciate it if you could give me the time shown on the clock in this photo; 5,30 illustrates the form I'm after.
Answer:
12,44
